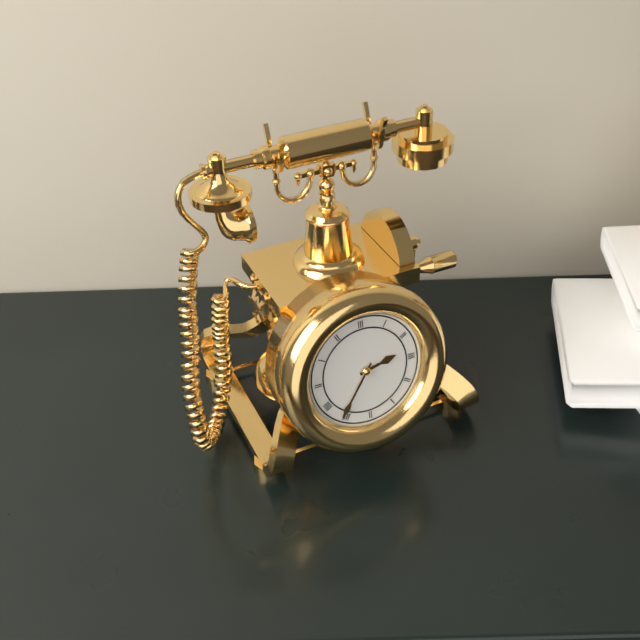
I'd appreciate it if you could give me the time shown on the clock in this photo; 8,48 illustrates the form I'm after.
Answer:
2,36
